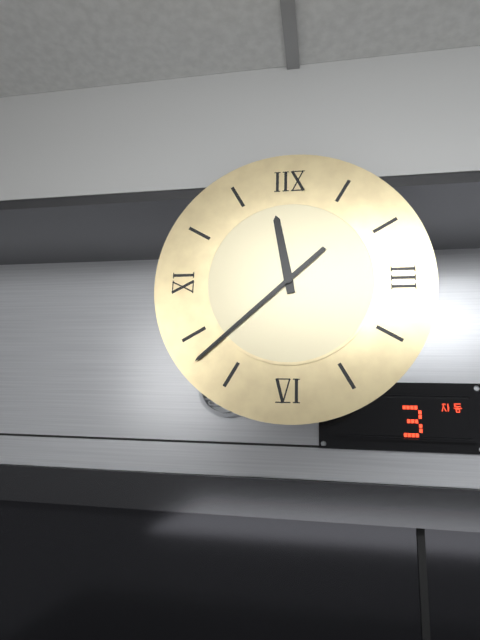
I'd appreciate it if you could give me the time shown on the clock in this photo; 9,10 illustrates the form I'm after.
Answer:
11,38
